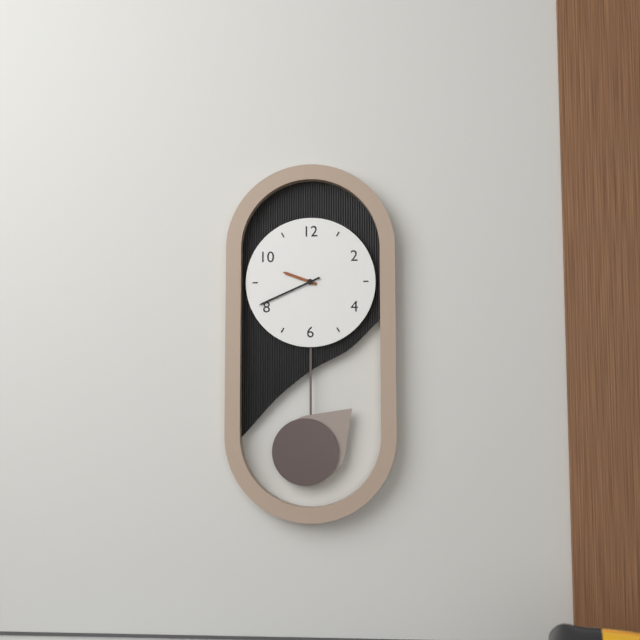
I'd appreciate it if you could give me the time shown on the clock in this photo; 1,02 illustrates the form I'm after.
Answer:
9,41
